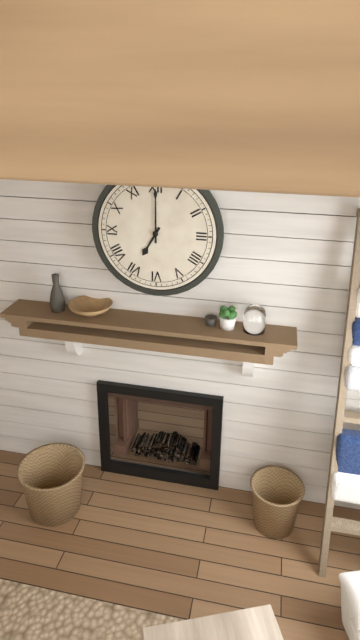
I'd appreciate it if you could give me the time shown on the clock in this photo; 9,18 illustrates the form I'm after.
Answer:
7,00
